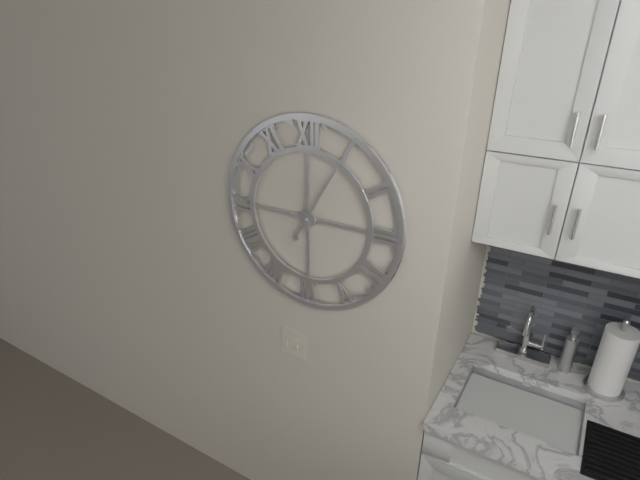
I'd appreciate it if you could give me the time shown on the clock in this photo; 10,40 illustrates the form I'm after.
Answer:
12,05
